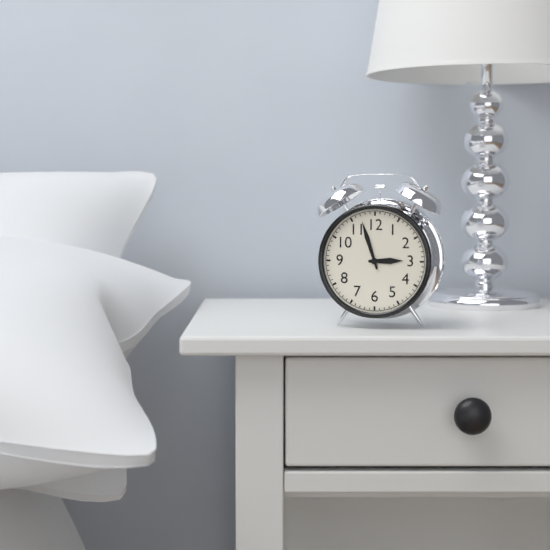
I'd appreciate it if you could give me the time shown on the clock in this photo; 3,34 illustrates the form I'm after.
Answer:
2,57
